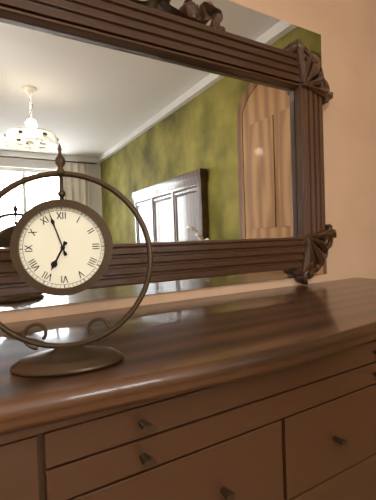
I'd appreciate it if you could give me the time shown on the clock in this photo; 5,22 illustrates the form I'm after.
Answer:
6,57
